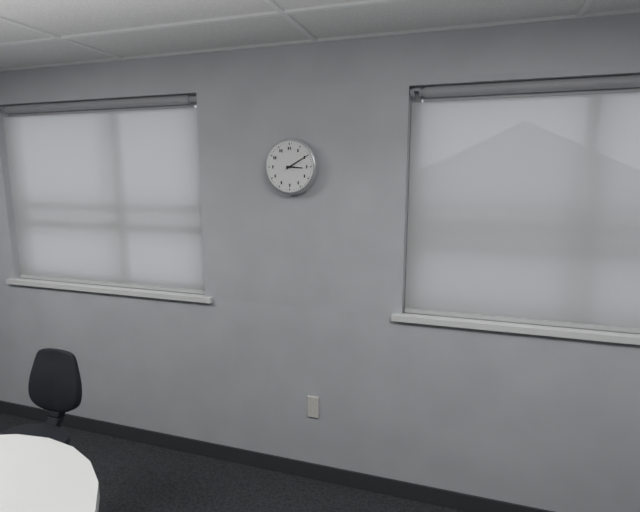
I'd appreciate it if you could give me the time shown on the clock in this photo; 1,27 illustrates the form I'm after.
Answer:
3,10
